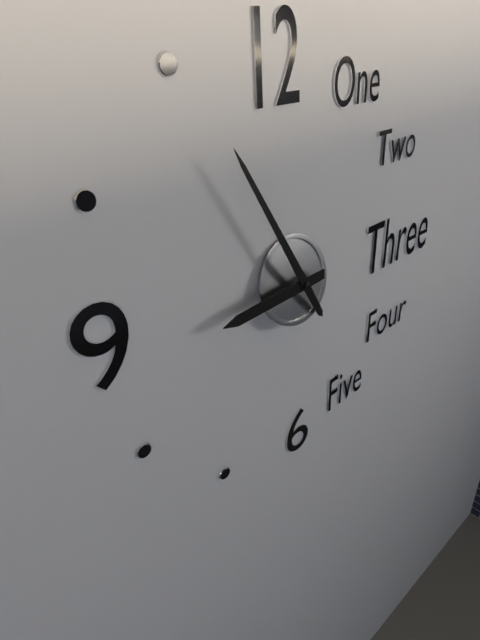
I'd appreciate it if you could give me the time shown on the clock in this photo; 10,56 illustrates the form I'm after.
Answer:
8,55
